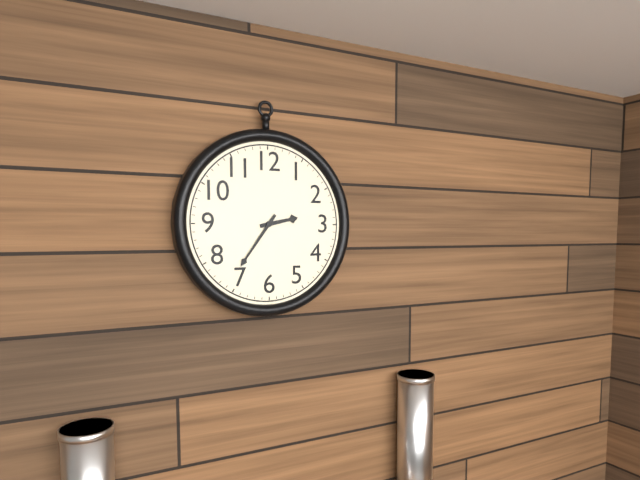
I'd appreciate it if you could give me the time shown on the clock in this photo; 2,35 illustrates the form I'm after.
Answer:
2,36
